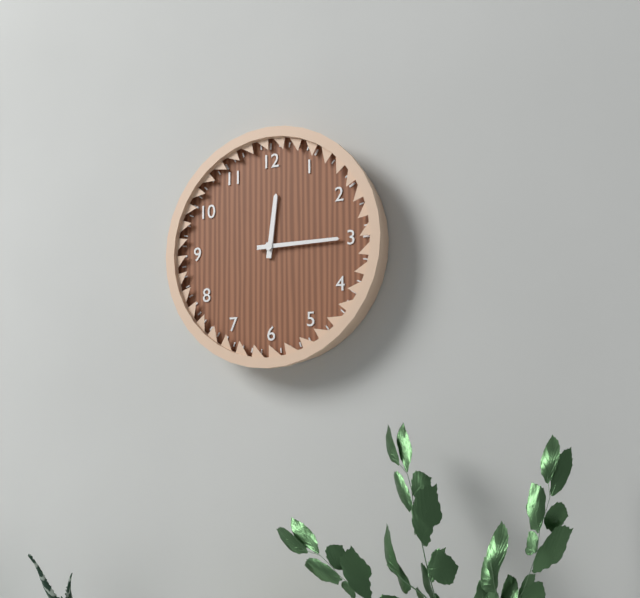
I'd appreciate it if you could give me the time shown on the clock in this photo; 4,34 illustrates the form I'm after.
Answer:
12,15
